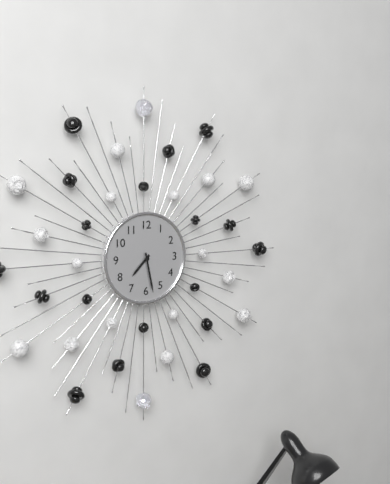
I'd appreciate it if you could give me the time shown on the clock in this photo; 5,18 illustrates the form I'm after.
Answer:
7,28
